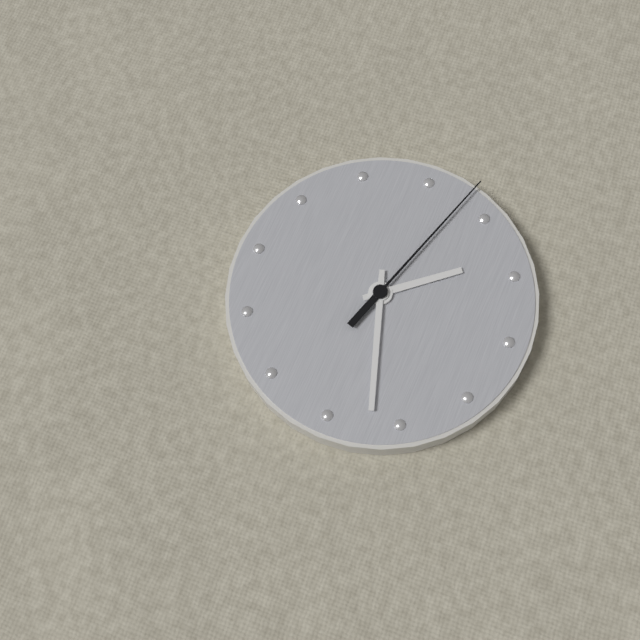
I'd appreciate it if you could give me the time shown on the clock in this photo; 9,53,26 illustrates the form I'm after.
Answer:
4,42,18
